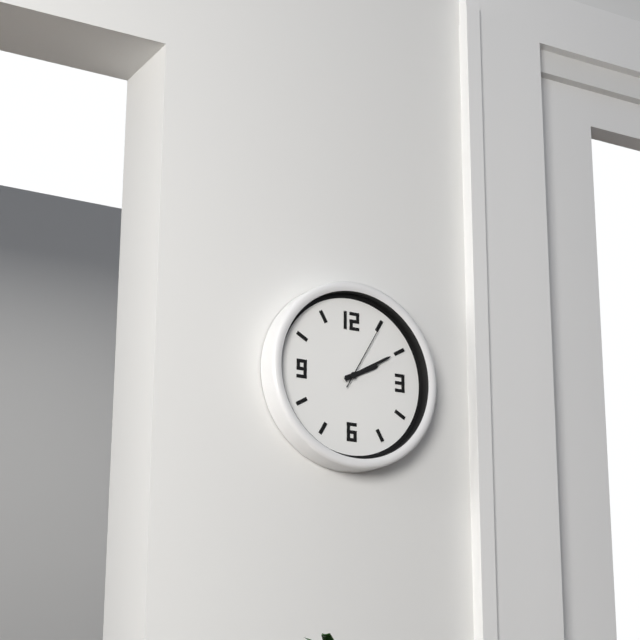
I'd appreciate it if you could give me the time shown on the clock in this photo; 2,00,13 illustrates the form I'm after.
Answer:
2,10,05
